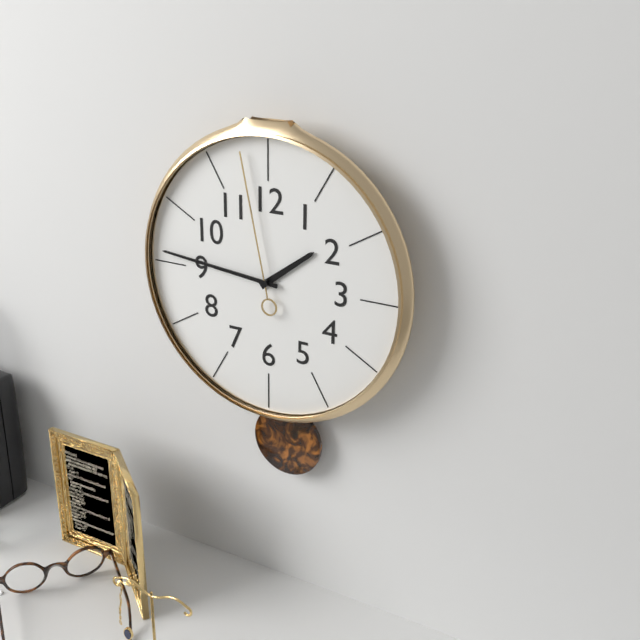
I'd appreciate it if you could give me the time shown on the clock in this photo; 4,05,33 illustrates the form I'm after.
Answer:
1,46,58
